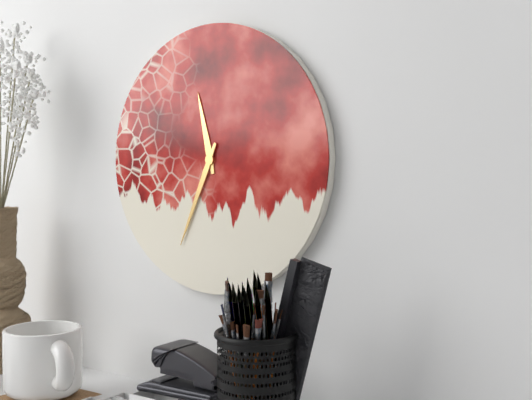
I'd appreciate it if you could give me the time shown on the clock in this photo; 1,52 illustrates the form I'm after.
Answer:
11,34
